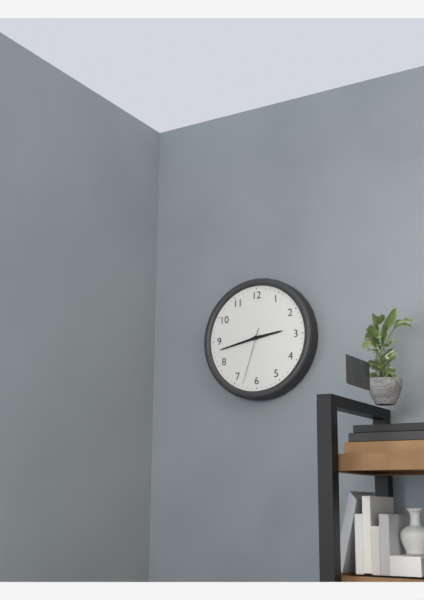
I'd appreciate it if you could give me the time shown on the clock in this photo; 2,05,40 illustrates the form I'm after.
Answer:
2,43,33
